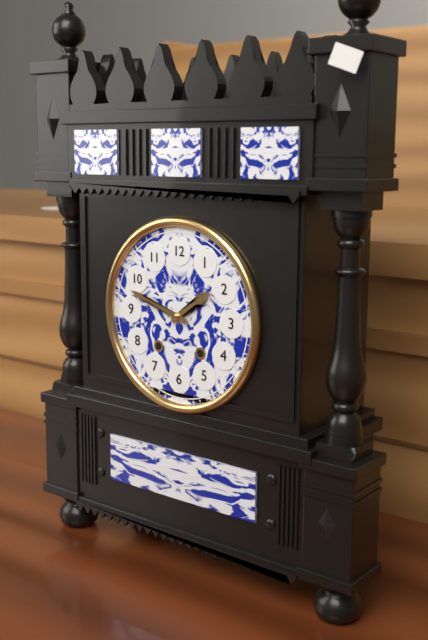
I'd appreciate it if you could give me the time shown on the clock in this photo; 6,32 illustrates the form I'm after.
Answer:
1,48
